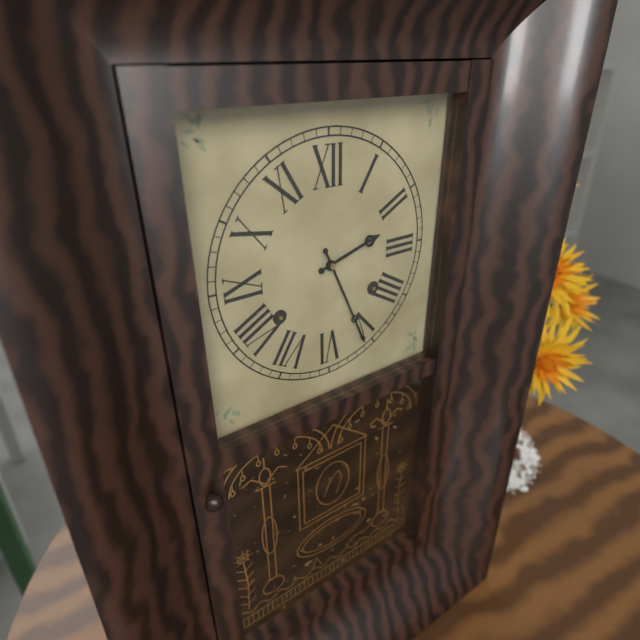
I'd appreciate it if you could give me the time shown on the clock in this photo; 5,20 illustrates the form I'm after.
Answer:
2,26
